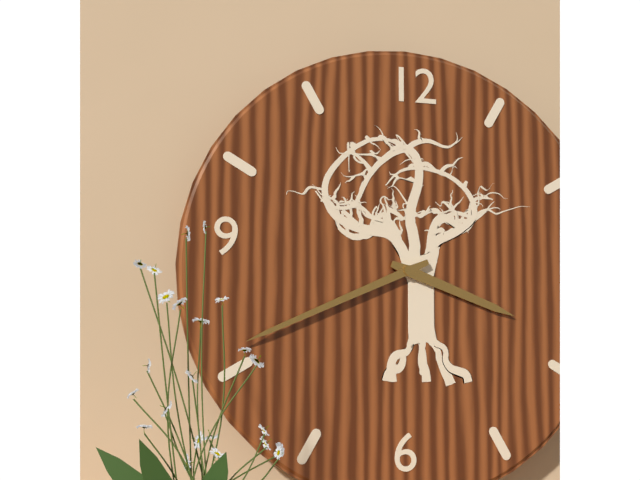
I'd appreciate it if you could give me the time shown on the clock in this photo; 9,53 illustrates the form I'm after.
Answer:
3,41
